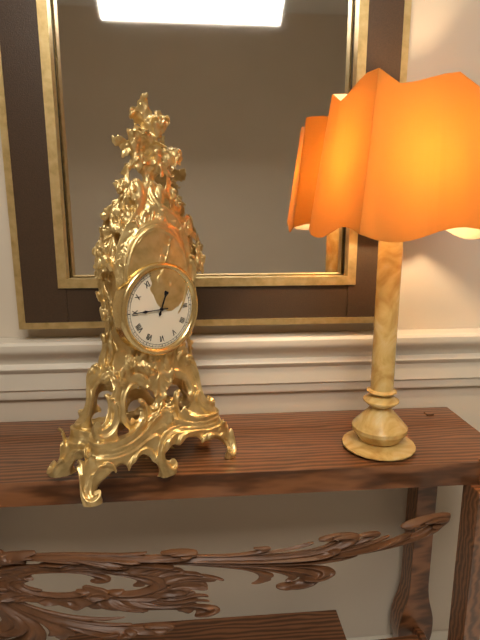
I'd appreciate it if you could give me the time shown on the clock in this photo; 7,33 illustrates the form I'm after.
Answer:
12,45
